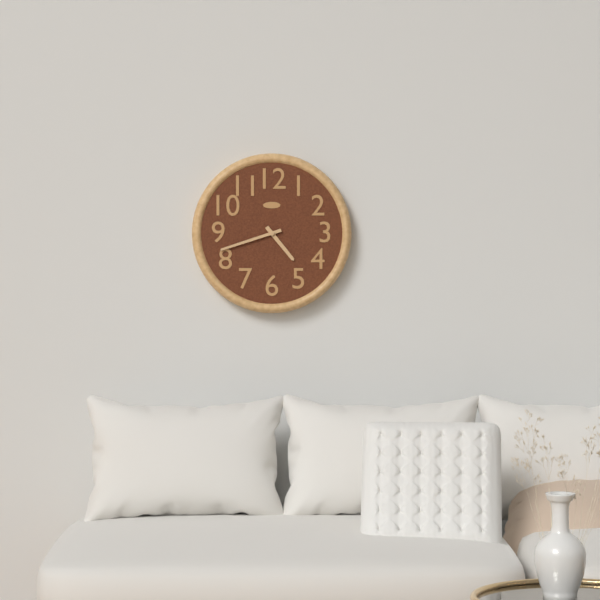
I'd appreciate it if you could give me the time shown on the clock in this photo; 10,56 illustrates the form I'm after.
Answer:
4,42
